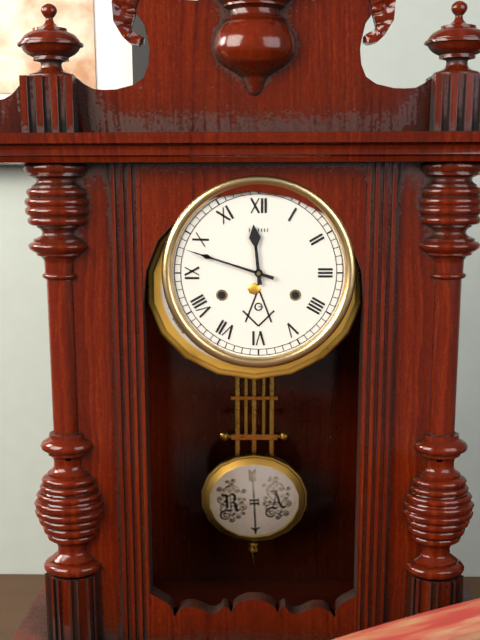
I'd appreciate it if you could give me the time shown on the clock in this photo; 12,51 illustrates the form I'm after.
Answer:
11,48
